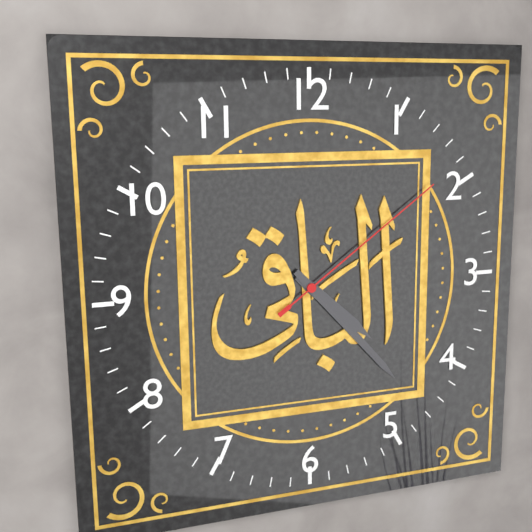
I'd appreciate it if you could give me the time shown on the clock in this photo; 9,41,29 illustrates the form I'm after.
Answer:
4,23,09
